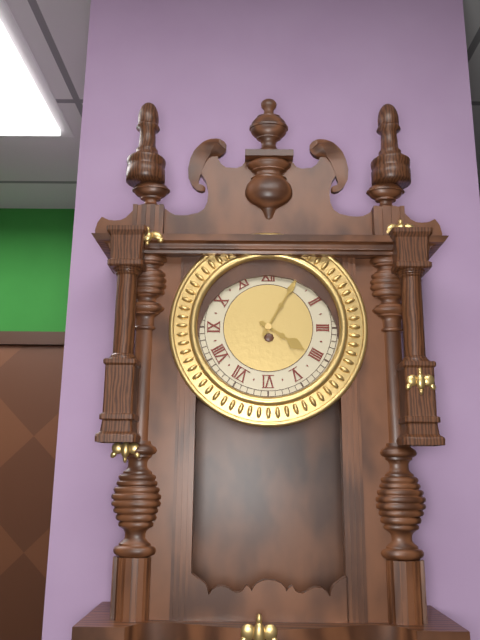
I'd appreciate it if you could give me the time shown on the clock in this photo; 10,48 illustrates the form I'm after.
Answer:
4,05
